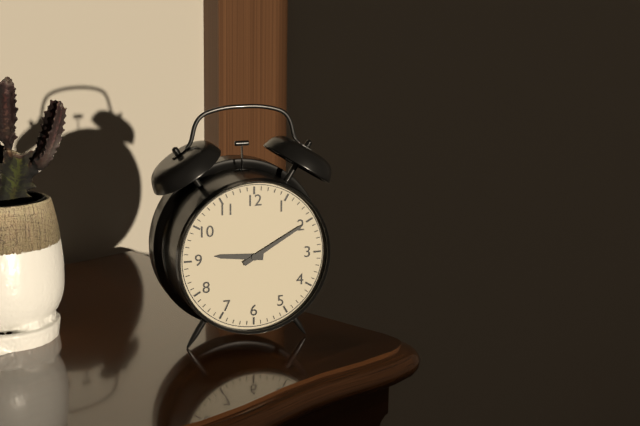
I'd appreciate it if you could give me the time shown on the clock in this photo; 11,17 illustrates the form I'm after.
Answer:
9,10
